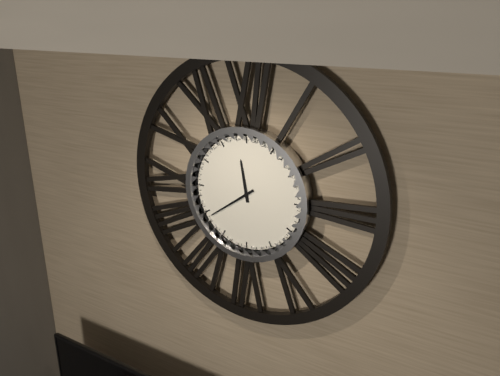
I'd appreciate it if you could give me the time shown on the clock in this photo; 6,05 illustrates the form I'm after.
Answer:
11,39
